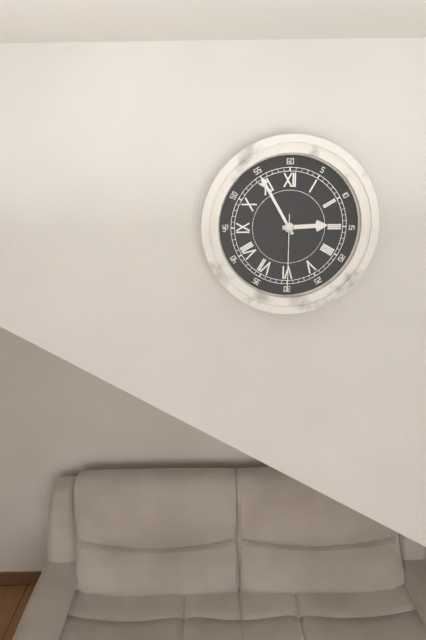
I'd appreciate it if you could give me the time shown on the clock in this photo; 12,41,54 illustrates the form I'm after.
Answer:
2,55,30
